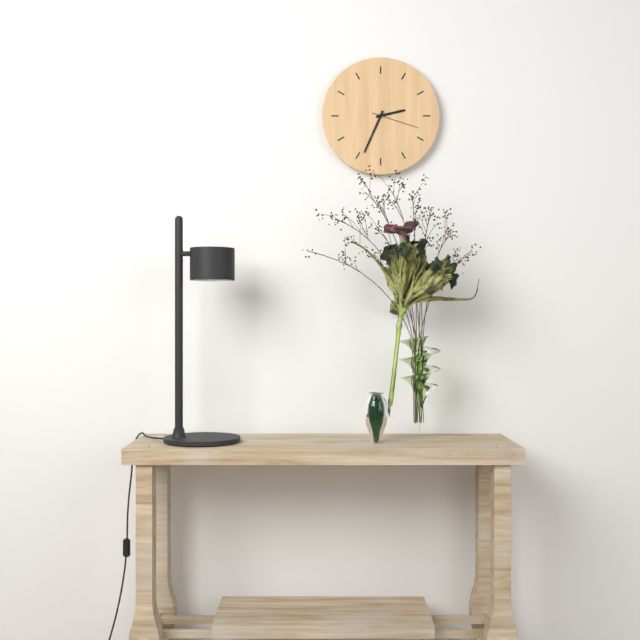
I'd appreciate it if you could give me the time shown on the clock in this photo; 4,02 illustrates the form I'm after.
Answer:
2,34
